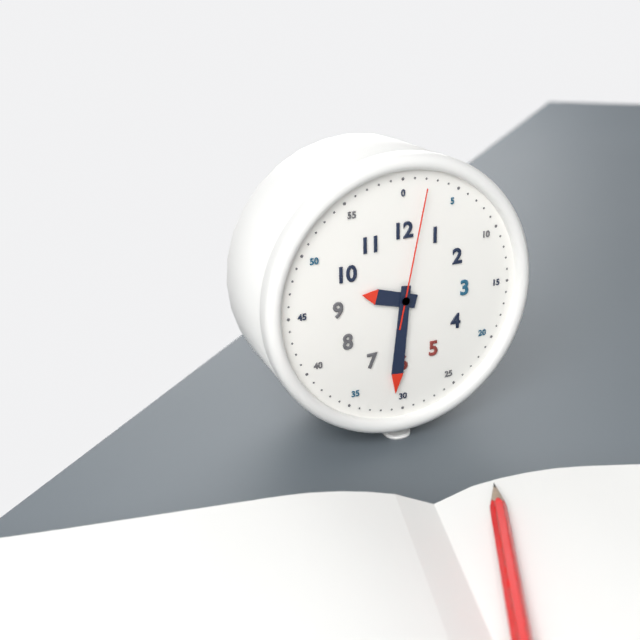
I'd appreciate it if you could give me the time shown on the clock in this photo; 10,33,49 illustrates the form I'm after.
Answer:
9,31,02
